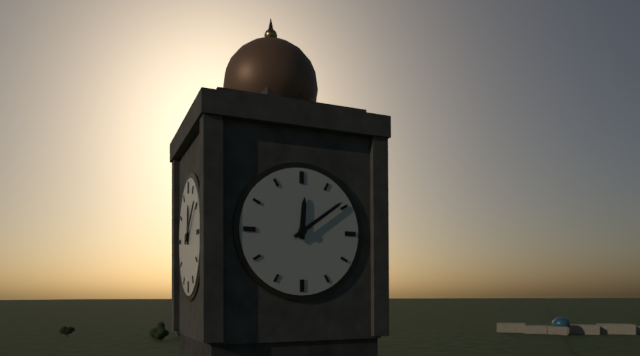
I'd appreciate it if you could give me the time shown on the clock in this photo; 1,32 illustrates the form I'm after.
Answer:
12,09
